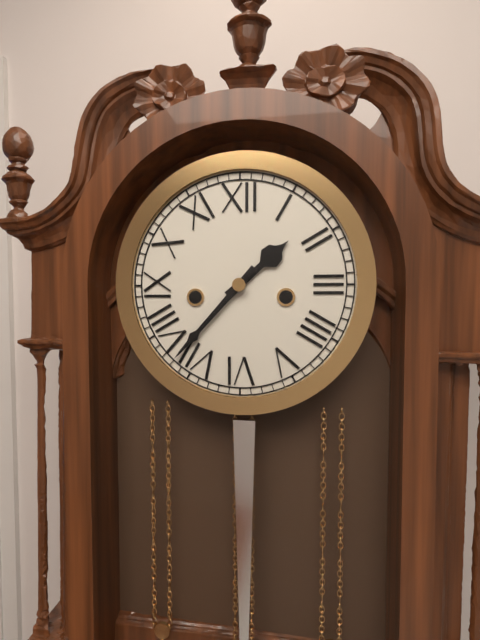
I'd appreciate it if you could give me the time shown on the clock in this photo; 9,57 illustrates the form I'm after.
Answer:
1,37
